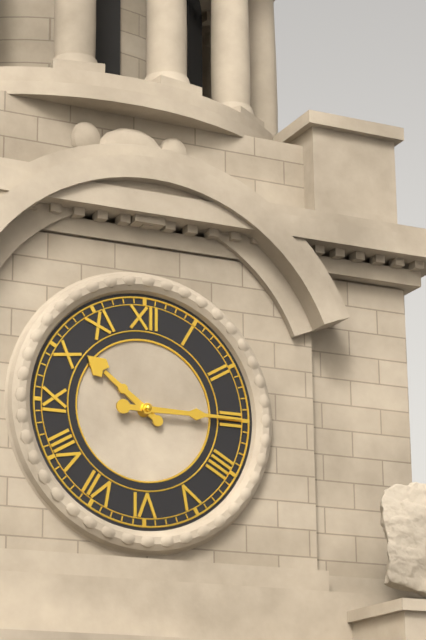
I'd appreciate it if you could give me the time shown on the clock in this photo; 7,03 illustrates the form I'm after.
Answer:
10,15
